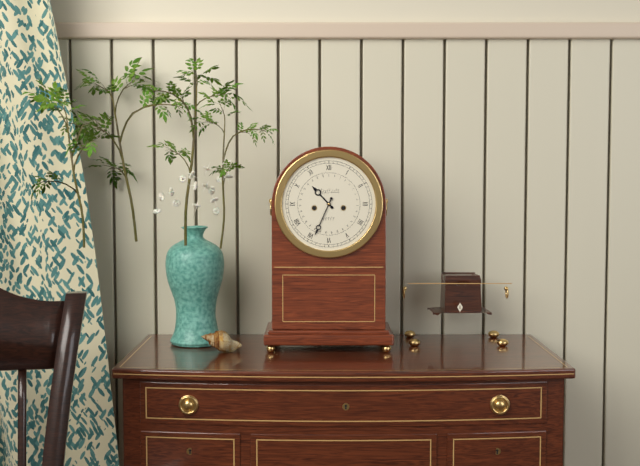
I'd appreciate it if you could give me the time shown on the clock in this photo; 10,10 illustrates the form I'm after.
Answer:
10,34
